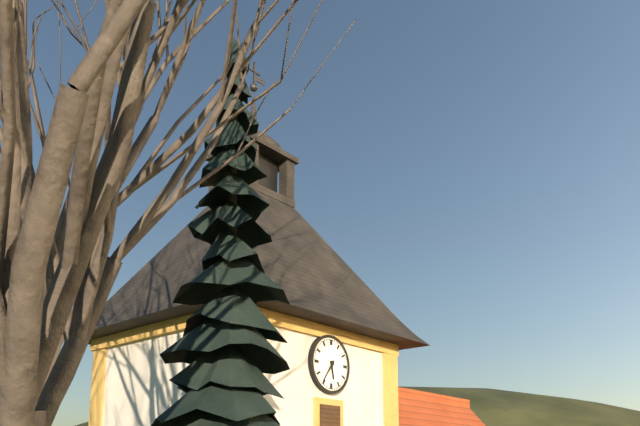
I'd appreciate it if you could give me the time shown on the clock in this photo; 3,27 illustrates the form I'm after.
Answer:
5,36
